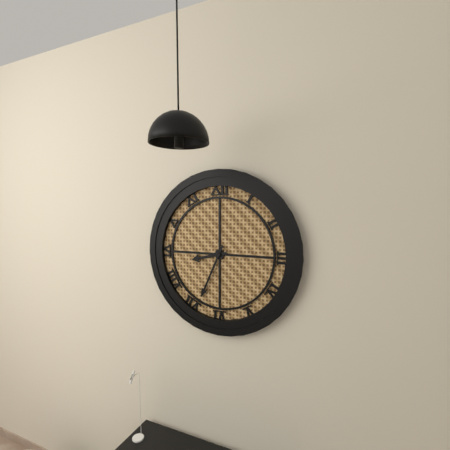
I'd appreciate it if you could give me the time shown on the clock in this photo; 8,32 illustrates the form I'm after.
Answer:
8,34
